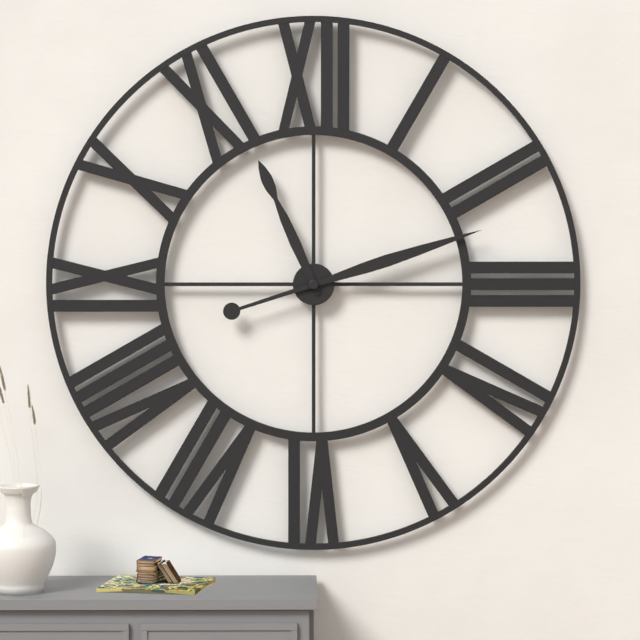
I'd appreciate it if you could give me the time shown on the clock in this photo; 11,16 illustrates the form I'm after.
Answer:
11,12
